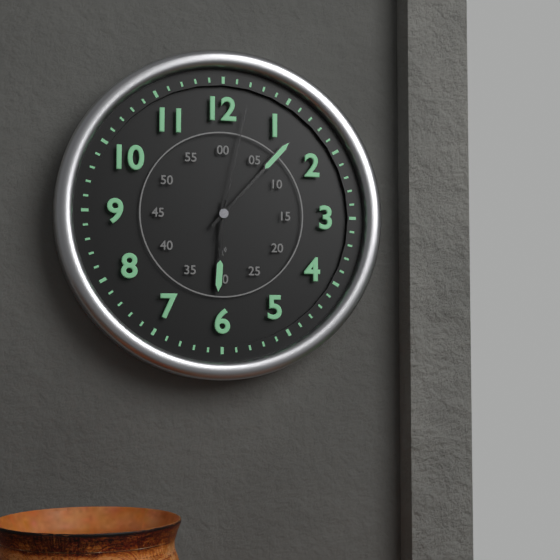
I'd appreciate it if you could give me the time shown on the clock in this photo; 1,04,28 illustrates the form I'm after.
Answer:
6,07,02
